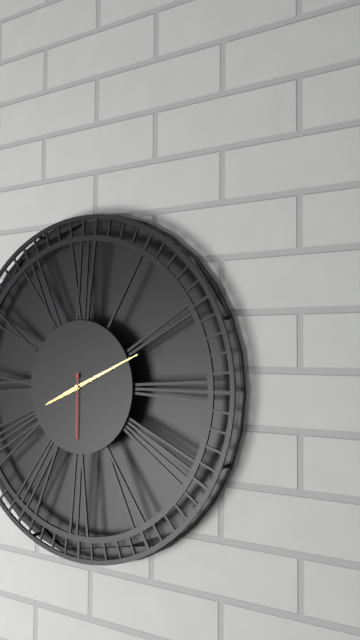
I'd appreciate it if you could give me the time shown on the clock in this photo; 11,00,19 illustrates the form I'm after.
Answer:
8,11,30
